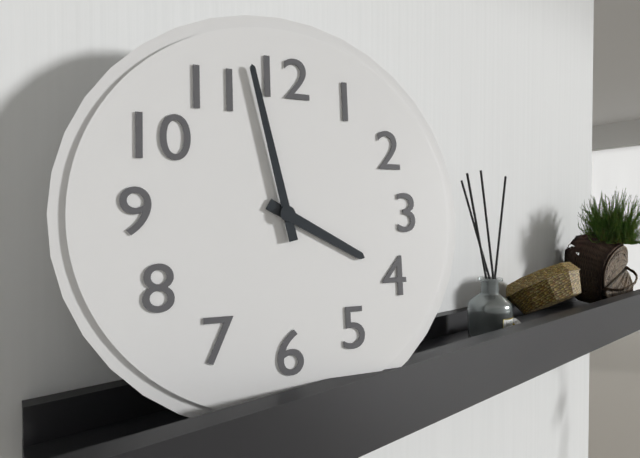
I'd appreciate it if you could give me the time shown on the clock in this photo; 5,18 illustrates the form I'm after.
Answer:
3,58
